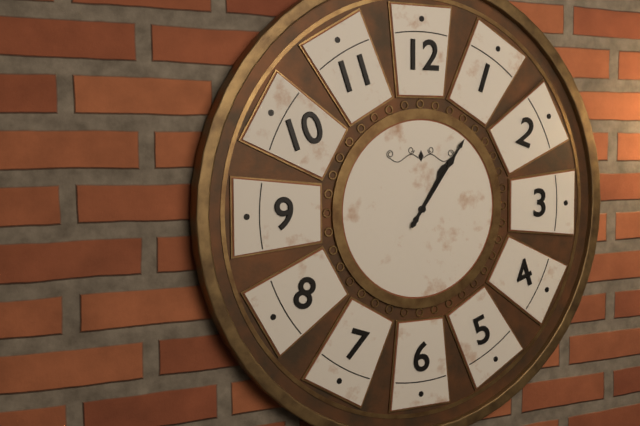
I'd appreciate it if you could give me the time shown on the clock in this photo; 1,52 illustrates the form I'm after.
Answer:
1,06
